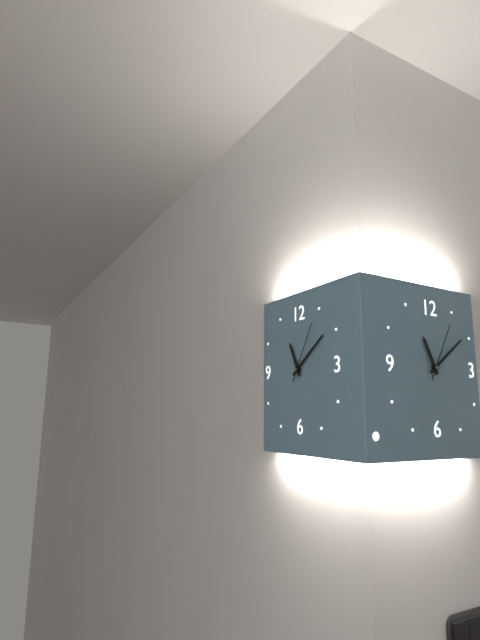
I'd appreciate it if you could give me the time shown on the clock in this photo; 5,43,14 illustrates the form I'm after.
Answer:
11,09,05
